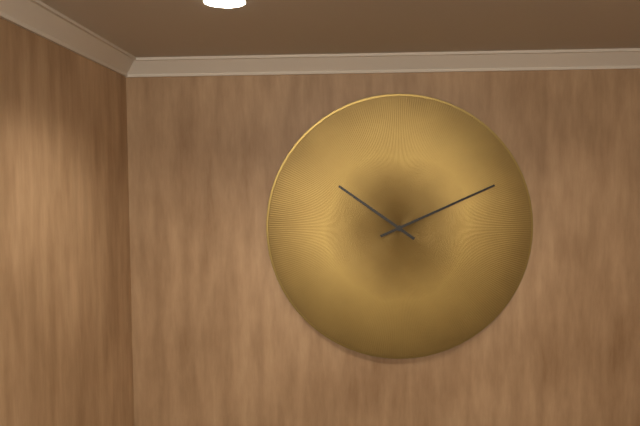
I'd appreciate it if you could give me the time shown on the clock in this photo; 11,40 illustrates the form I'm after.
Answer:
10,11
